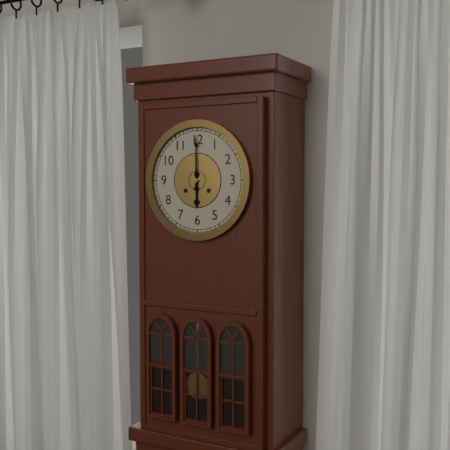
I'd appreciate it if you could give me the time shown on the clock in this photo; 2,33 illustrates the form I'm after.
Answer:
6,00
